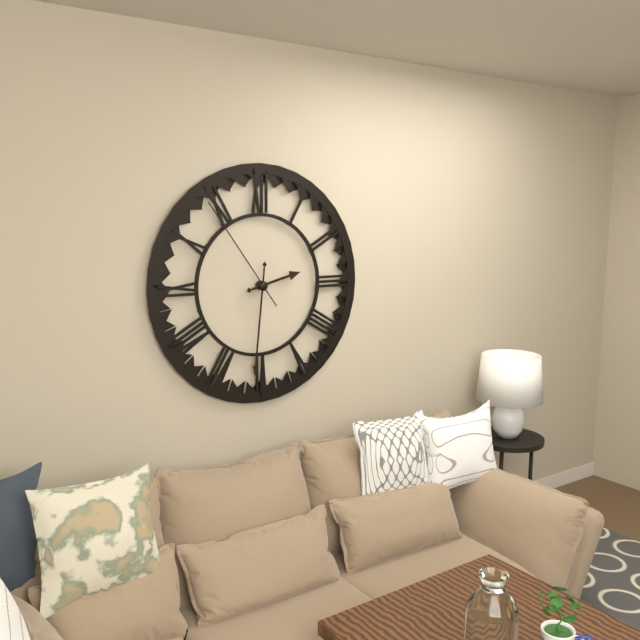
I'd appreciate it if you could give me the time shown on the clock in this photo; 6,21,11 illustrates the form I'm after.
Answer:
2,31,54
